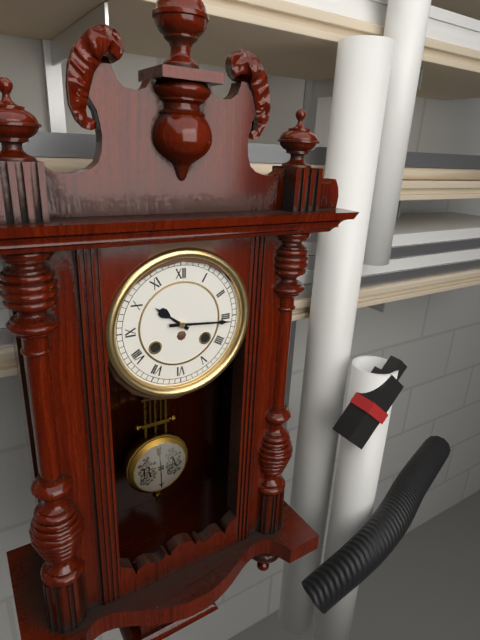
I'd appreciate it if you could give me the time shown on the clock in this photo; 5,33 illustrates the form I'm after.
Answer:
10,16
